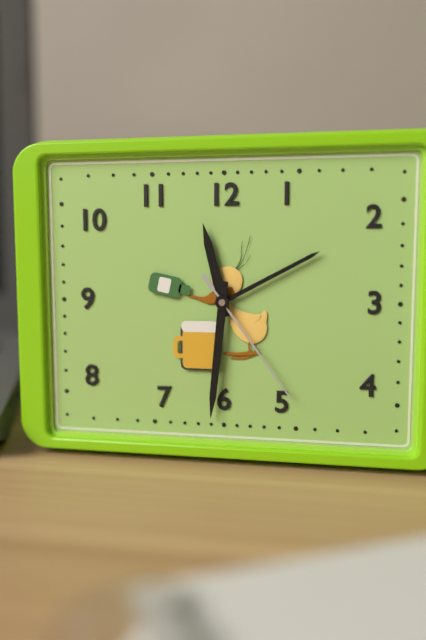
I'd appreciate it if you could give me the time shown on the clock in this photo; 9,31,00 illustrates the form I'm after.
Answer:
11,31,24
